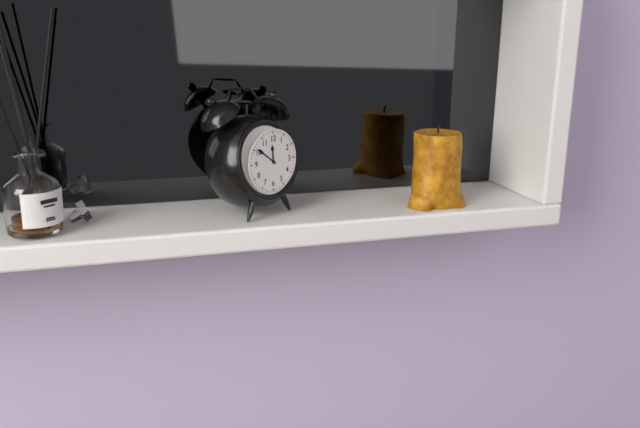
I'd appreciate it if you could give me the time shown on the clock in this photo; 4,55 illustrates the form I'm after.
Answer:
11,51
